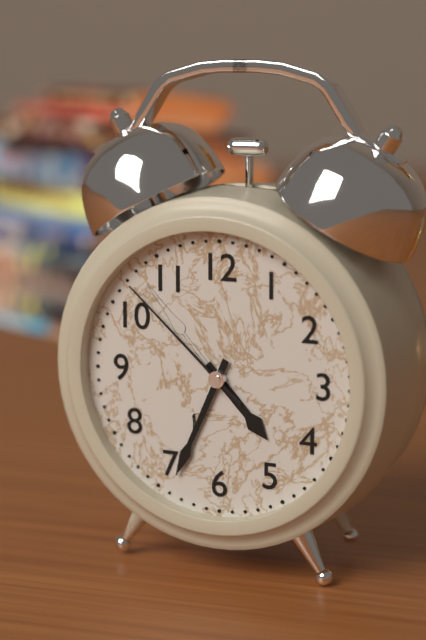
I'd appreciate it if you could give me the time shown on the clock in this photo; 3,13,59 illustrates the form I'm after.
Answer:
4,34,52
